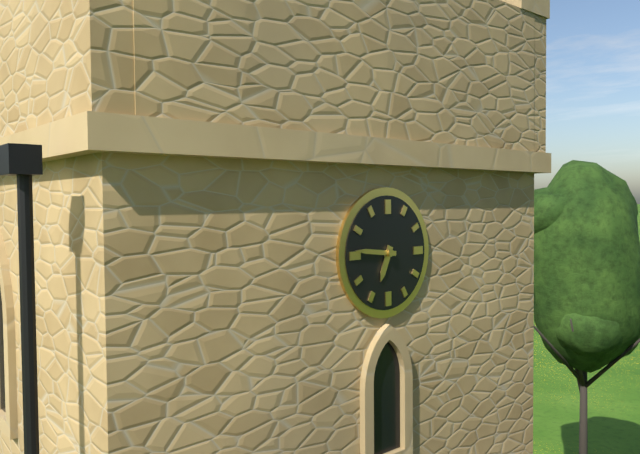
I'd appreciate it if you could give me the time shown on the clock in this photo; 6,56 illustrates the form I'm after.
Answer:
6,46
